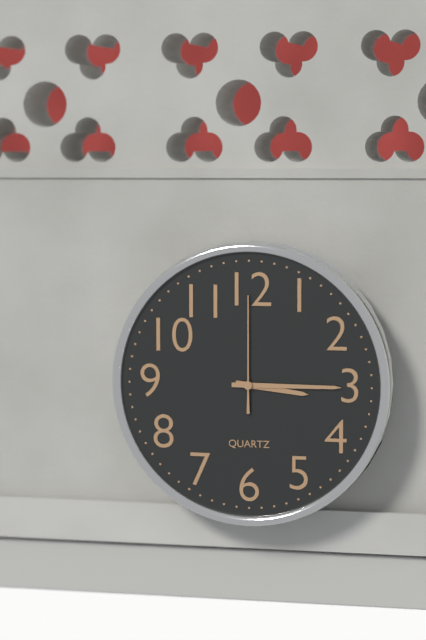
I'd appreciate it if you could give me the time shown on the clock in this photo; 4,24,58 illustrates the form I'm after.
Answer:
3,15,00
